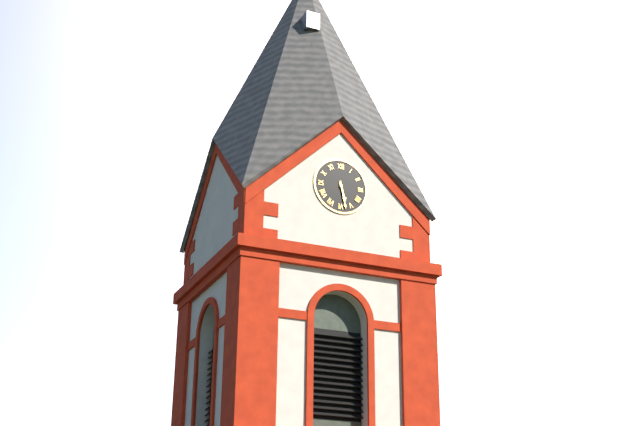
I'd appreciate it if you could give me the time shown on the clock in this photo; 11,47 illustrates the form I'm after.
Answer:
5,28
